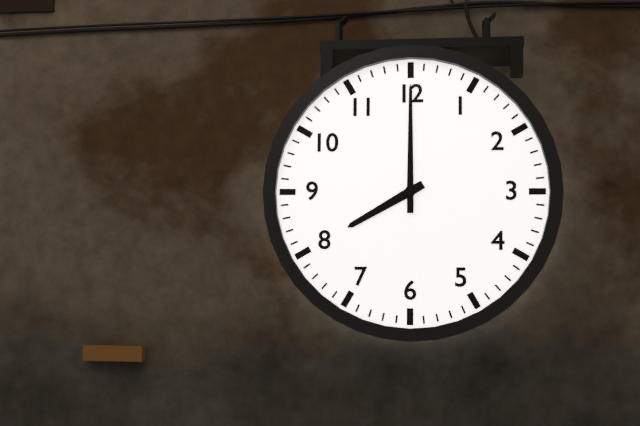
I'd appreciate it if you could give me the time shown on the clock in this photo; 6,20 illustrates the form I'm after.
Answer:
8,00
